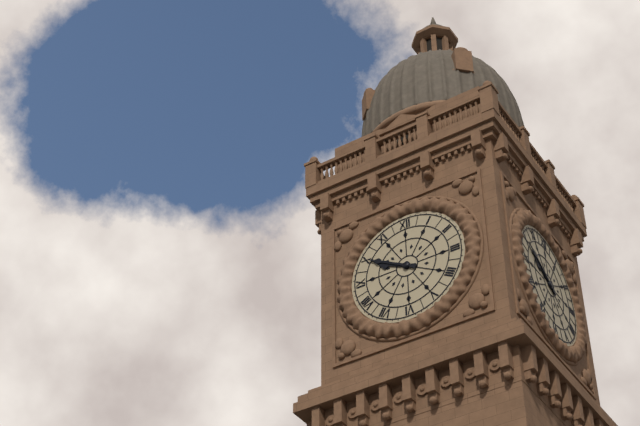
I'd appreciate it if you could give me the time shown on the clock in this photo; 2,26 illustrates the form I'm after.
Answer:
9,50
